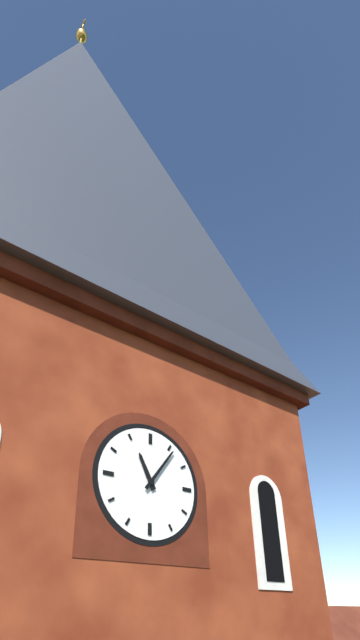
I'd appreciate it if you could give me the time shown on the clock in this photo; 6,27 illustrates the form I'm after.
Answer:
11,06
